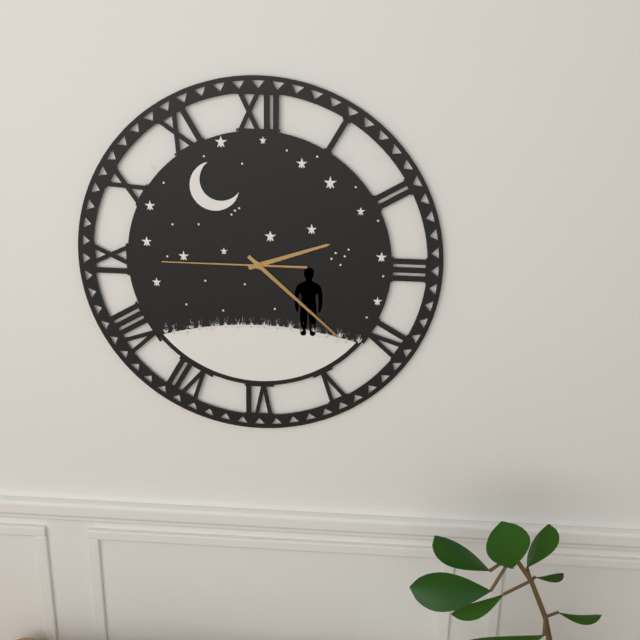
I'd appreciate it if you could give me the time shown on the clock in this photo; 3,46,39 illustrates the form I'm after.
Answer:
2,22,45
